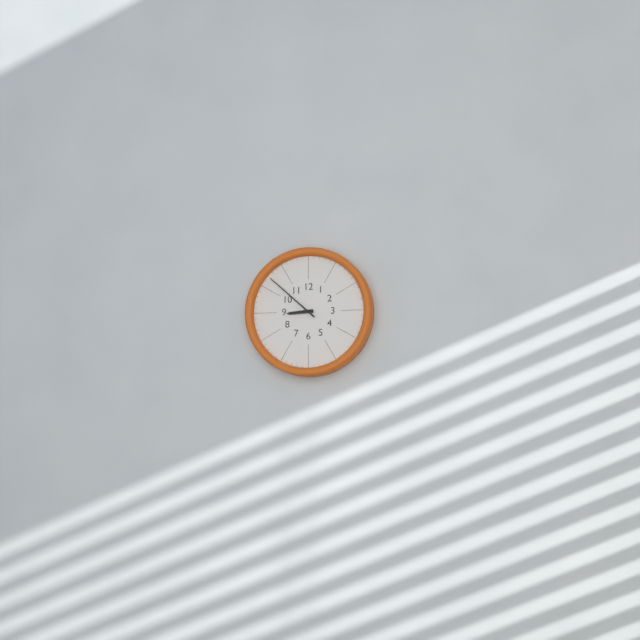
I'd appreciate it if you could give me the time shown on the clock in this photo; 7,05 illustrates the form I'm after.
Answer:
8,52
